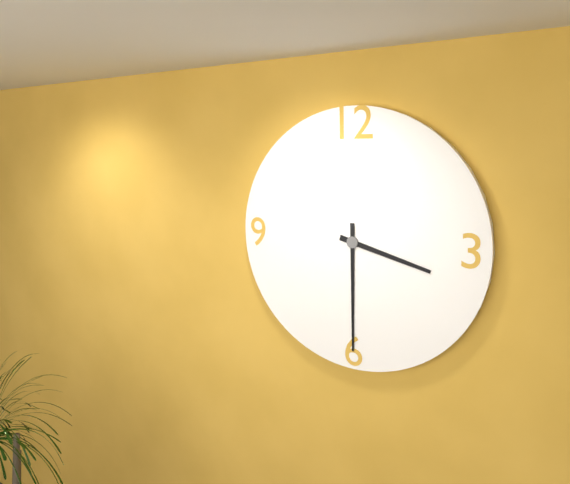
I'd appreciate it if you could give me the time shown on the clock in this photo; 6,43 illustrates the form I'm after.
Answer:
3,30
